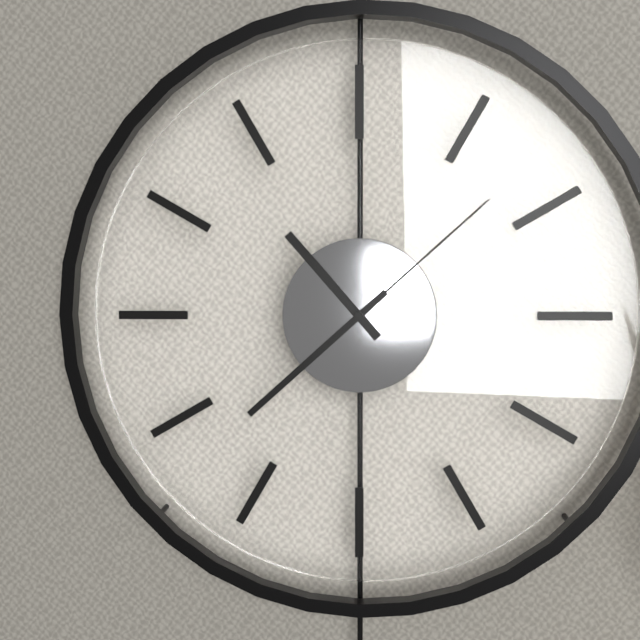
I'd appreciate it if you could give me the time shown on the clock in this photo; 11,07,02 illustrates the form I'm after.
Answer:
10,38,08
